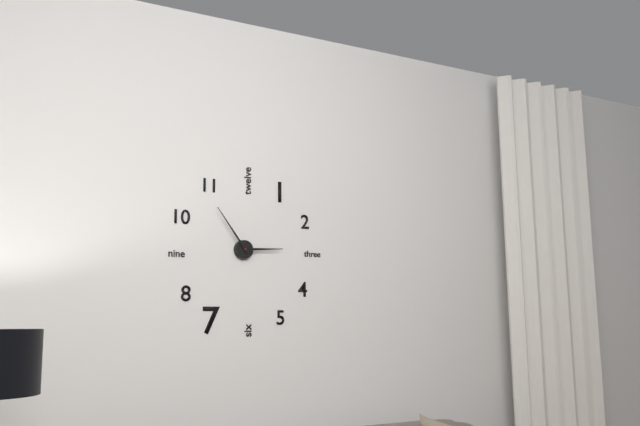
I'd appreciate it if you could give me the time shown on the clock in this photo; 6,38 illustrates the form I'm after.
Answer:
2,54
